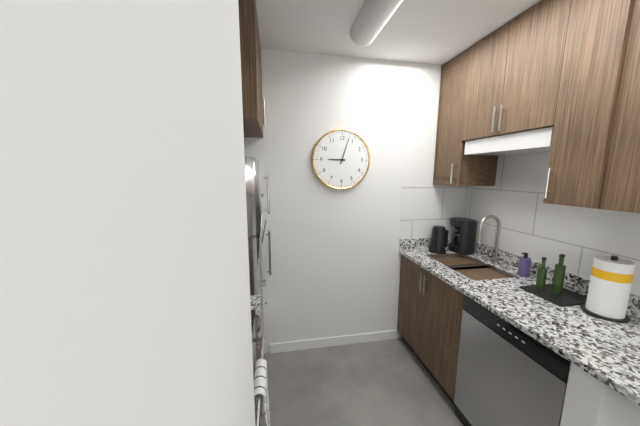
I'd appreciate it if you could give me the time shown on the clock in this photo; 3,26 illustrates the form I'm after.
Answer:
9,03
